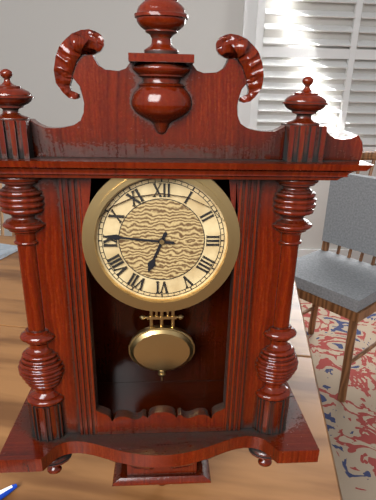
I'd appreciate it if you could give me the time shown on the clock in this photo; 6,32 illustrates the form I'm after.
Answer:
6,46
